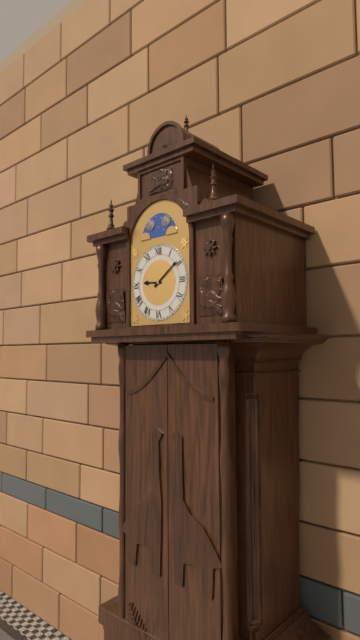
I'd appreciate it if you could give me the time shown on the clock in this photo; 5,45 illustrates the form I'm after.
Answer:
9,09
